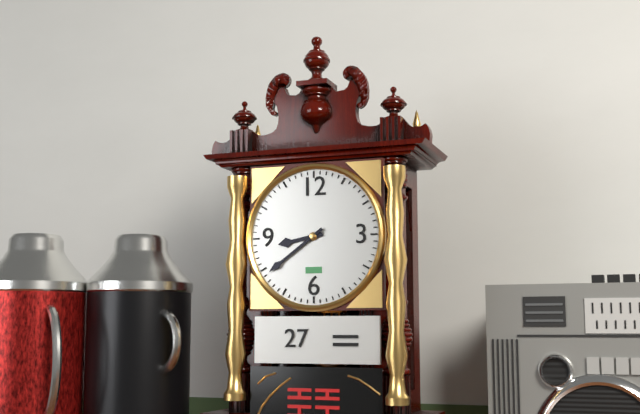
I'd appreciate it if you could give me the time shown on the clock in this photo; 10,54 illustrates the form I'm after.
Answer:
8,39
